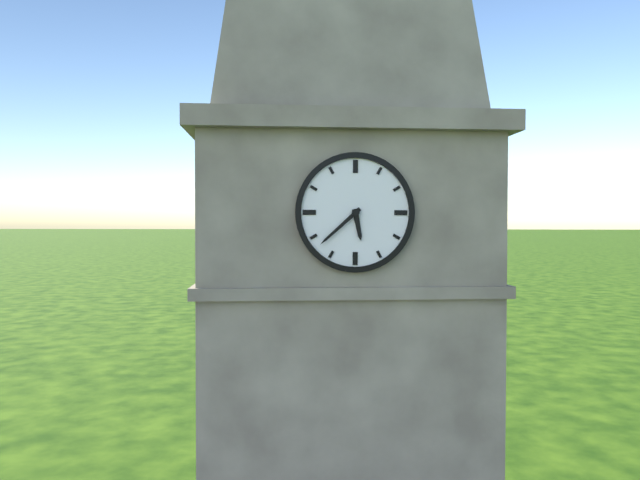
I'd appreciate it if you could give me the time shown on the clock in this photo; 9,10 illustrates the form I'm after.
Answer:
5,38
